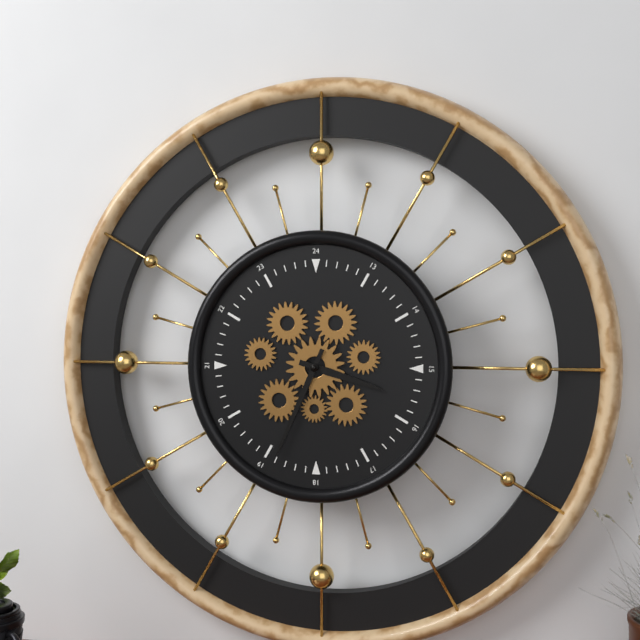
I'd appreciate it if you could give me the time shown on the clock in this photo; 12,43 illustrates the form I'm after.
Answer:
3,34
